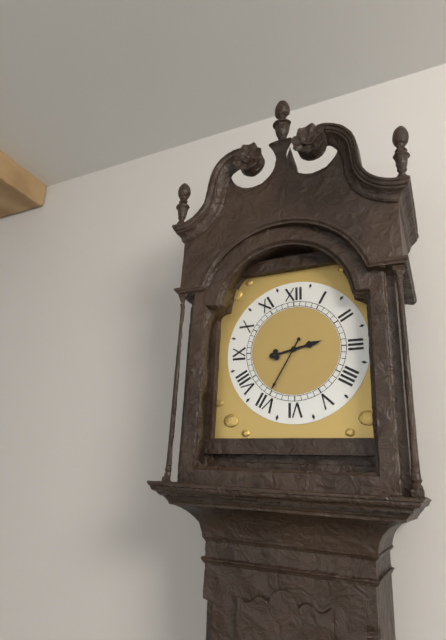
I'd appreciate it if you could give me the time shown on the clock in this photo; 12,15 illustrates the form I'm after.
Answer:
2,35
